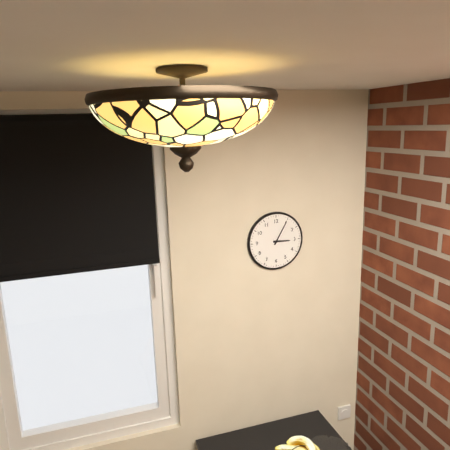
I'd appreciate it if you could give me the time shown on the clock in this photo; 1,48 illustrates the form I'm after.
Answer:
3,05
